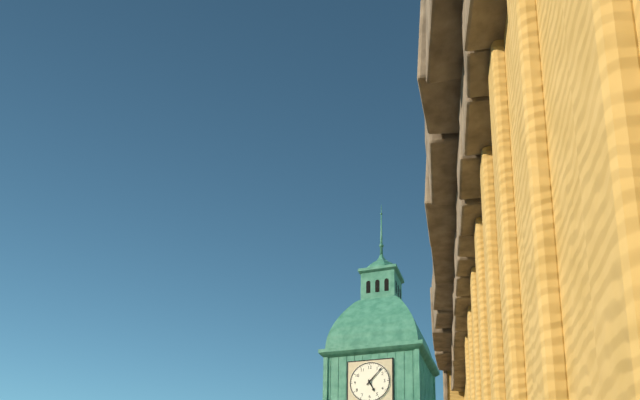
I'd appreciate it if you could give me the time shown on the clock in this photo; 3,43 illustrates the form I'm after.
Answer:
5,07
